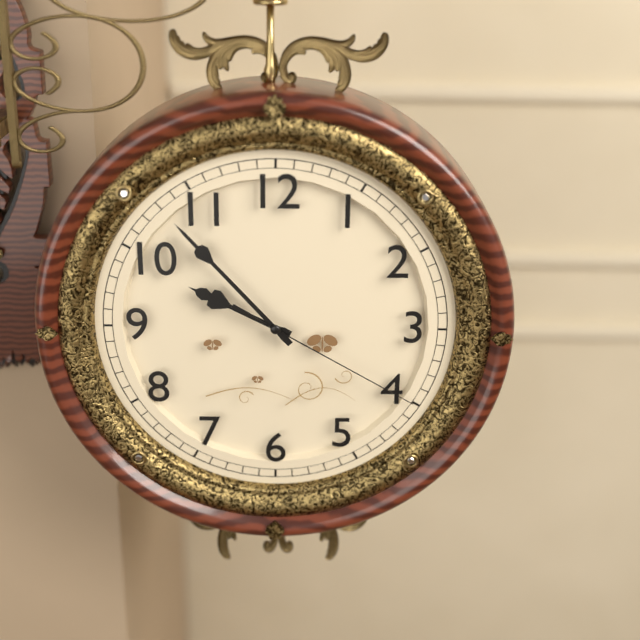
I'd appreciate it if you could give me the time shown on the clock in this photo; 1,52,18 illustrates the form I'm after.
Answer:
9,53,20
